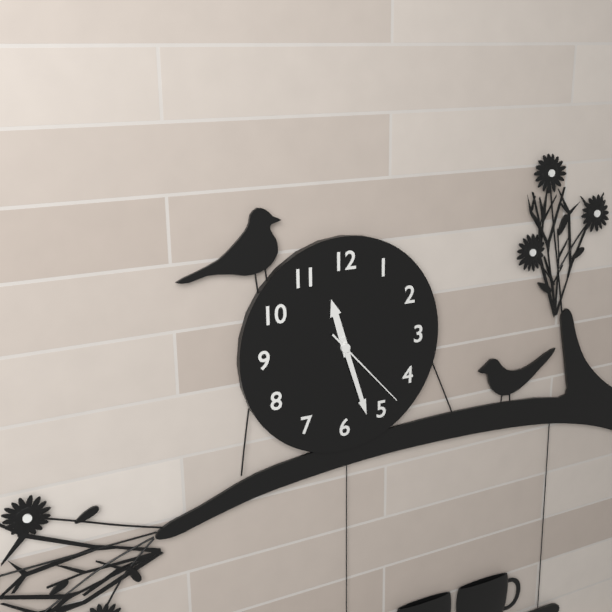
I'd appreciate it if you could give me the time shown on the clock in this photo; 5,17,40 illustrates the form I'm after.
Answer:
11,27,23
